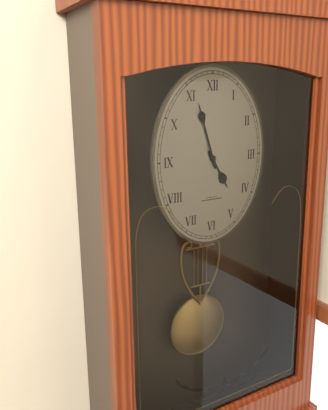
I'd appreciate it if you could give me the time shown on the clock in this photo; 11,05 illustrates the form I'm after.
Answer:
4,57
